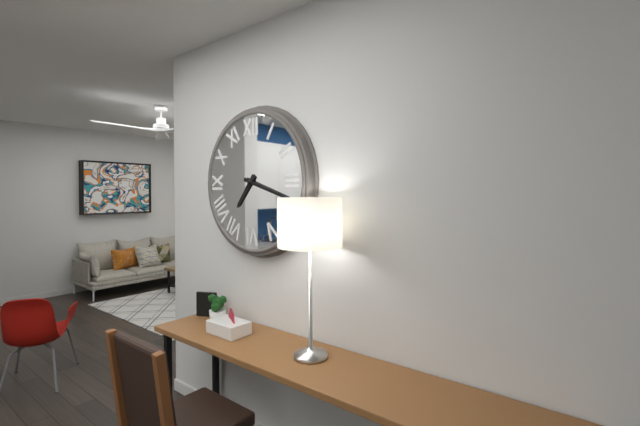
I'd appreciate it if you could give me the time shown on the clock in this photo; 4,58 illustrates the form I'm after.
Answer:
7,18
